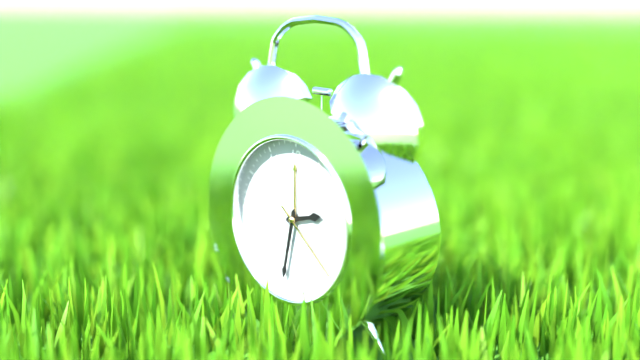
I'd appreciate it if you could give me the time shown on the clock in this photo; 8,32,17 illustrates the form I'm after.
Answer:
2,32,22
